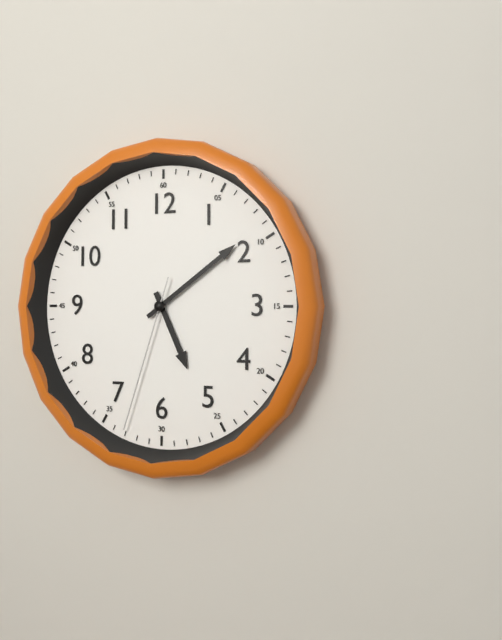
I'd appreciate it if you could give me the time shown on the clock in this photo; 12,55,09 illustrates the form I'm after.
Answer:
5,09,33
